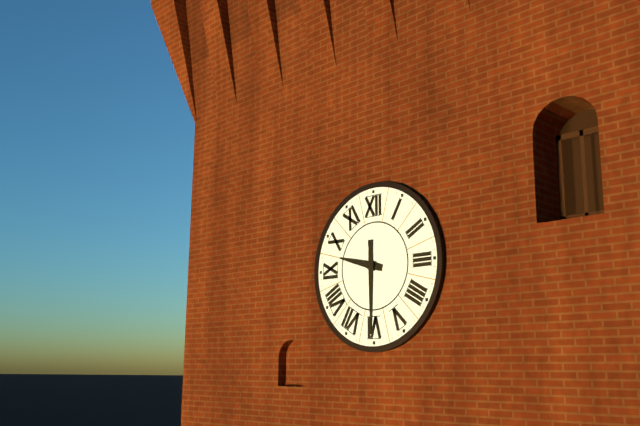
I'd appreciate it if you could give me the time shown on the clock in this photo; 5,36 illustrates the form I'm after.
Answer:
9,30
